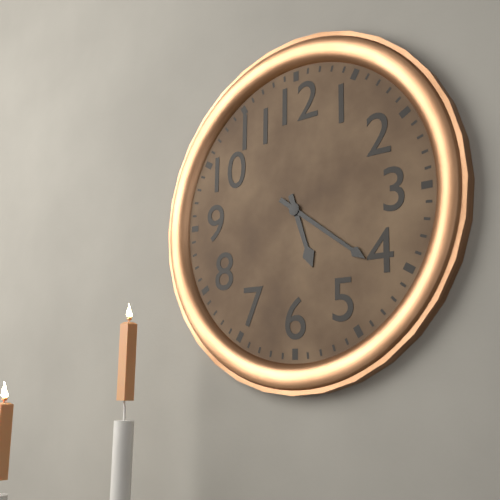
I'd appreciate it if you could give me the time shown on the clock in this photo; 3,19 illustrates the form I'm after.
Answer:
5,21
